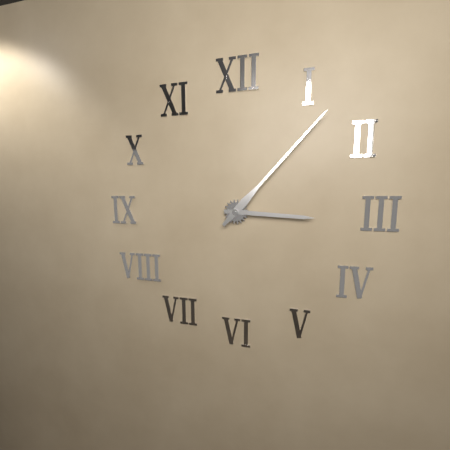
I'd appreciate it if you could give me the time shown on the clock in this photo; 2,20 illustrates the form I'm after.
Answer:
3,07
